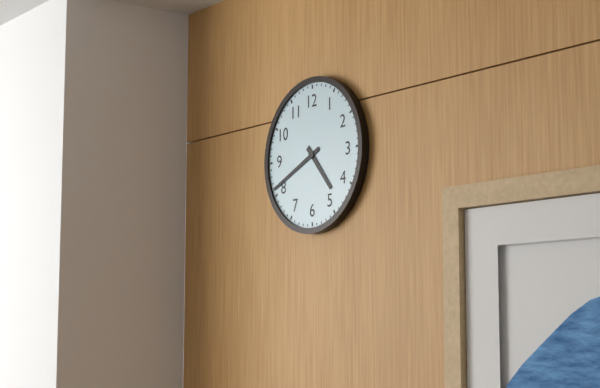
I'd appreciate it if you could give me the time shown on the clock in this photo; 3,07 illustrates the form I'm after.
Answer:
4,41
